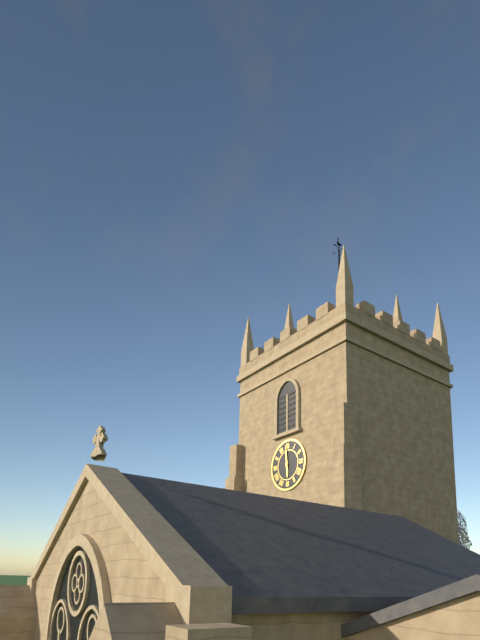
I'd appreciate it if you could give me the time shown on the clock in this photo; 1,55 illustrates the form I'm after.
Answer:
5,59
